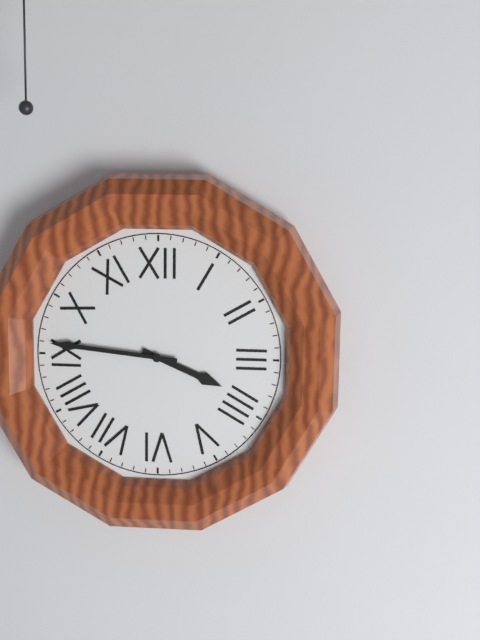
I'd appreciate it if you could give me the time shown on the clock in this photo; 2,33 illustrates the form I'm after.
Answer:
3,46
